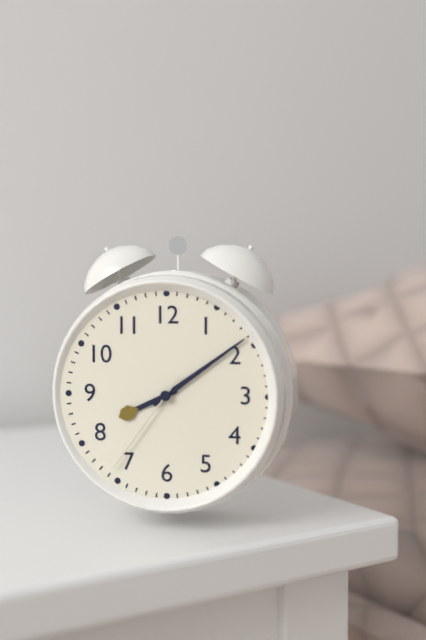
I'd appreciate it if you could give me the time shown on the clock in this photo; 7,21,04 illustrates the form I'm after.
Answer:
8,09,36
